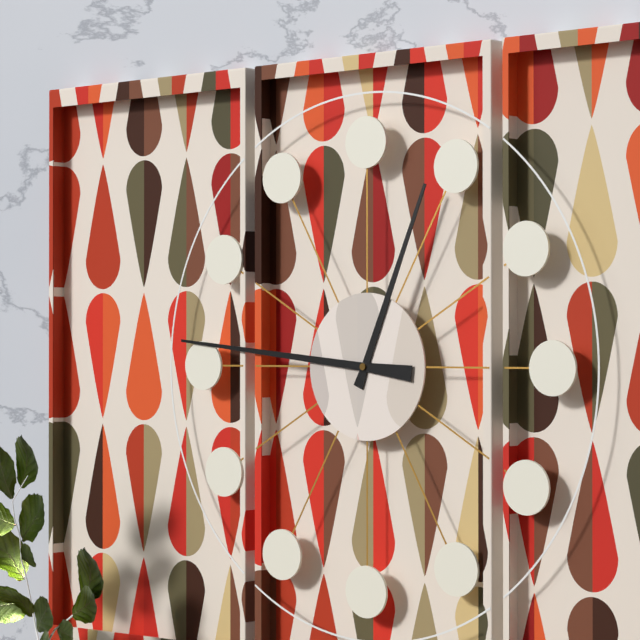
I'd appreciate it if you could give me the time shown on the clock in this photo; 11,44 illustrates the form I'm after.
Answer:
12,46
